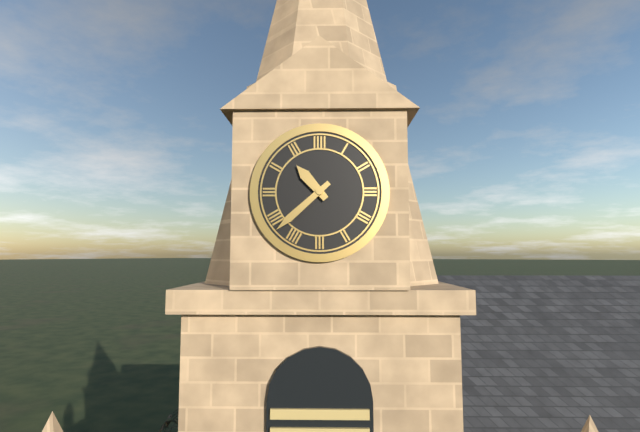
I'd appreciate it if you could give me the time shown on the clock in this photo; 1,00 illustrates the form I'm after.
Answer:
10,38
